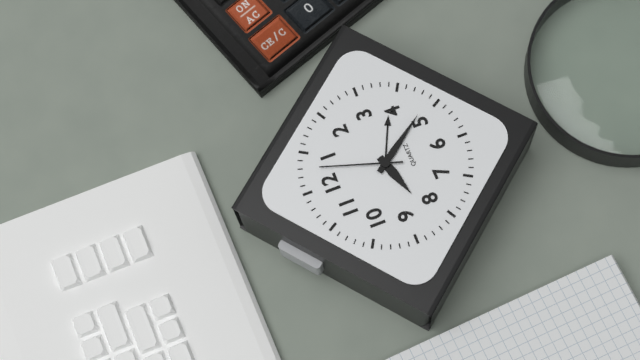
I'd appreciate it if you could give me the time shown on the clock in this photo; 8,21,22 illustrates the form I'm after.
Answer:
8,24,03
